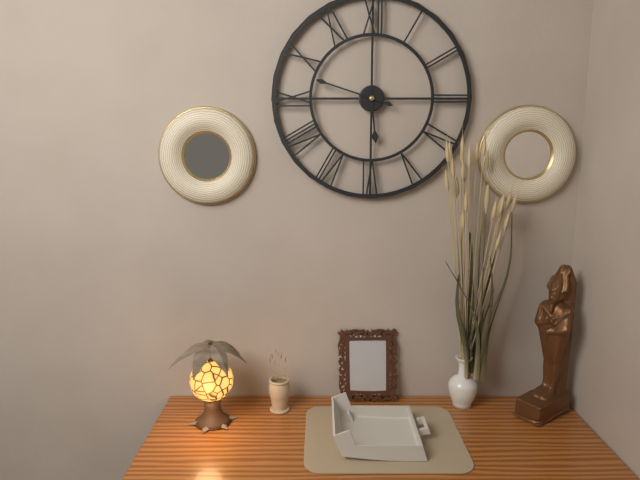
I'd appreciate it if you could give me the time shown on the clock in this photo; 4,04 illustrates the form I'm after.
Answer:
5,48
